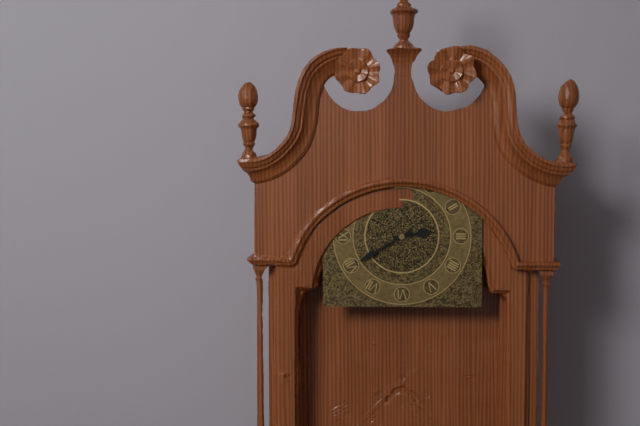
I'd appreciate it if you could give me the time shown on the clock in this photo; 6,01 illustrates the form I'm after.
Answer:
2,40
